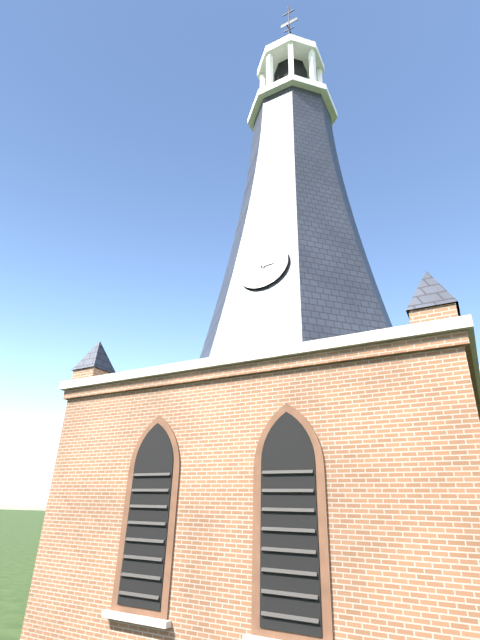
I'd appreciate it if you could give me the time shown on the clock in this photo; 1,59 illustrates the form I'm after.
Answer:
2,54
